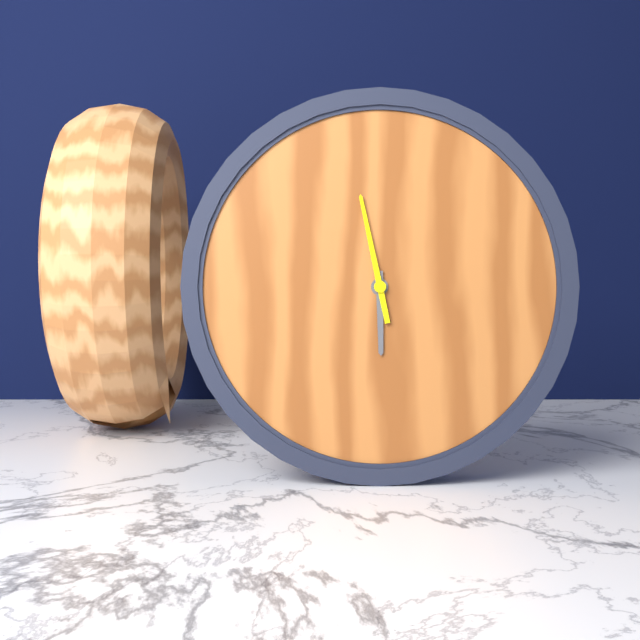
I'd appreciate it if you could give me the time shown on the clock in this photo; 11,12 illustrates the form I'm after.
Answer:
5,58
